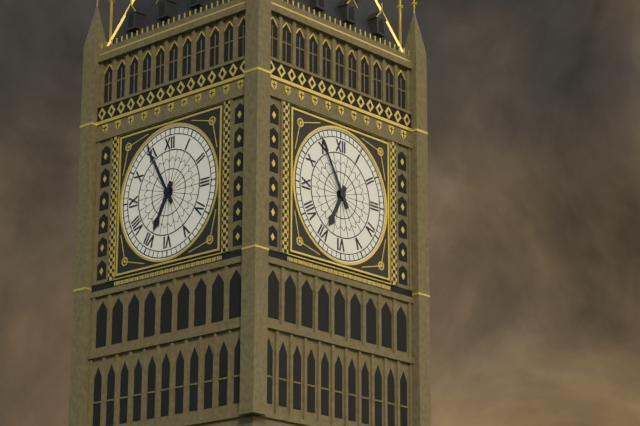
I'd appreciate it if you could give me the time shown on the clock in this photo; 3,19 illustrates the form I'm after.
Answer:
6,55
